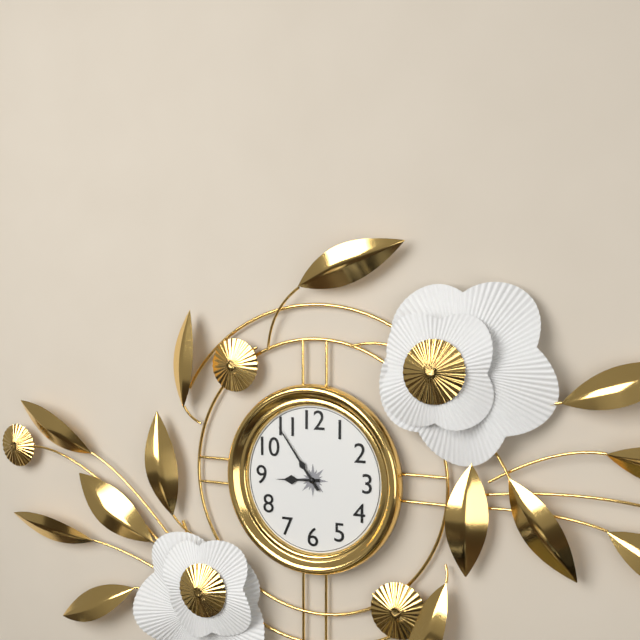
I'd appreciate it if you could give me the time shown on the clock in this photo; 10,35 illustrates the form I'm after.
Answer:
8,54
